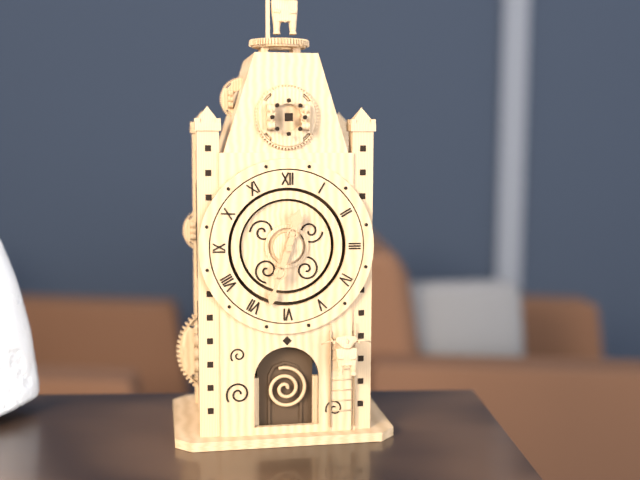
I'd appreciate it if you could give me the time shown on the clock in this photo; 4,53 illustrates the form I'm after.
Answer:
12,33
